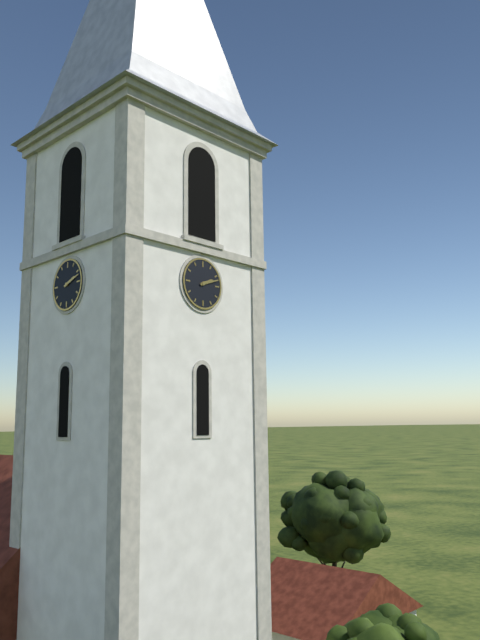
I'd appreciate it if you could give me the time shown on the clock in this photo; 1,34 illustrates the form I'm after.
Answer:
2,12
